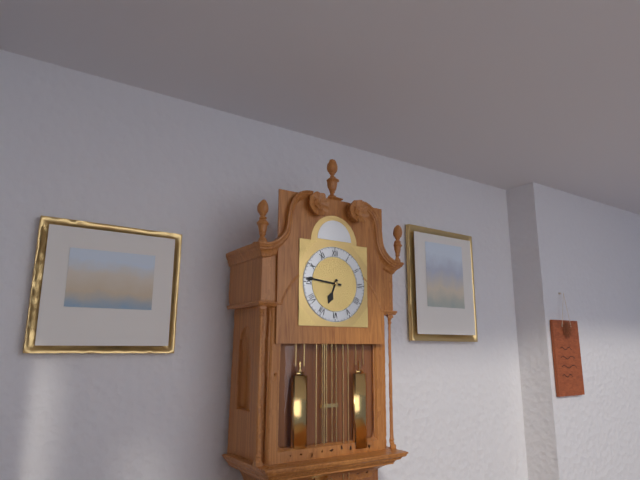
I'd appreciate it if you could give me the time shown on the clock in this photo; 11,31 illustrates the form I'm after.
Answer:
6,46
